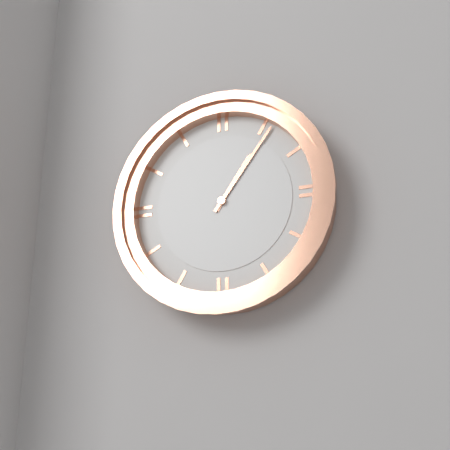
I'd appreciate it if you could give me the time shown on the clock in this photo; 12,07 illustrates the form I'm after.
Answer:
1,06
